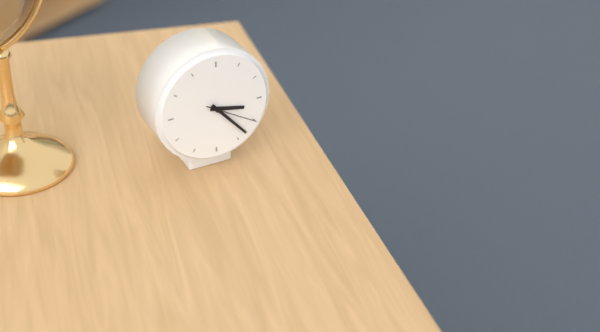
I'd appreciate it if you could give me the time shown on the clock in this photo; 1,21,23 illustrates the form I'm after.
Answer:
3,23,20
